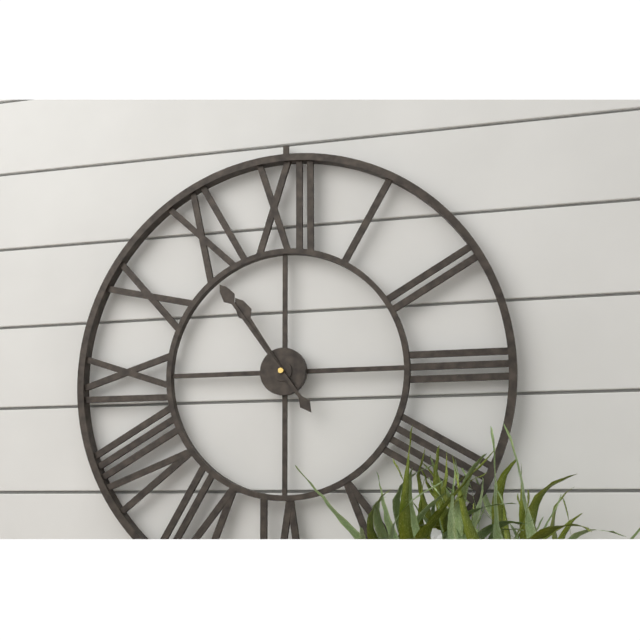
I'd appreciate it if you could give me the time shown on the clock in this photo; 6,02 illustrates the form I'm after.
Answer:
10,54
